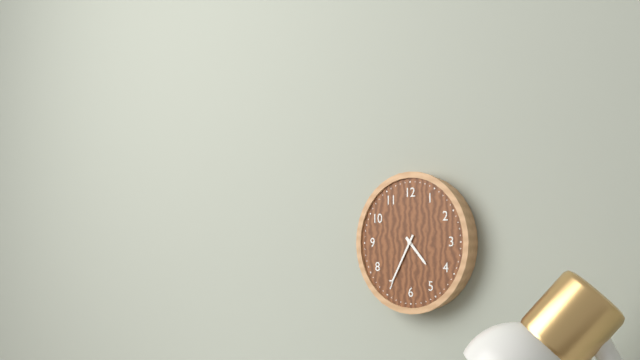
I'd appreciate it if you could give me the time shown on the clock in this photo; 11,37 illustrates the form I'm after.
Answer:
4,35
